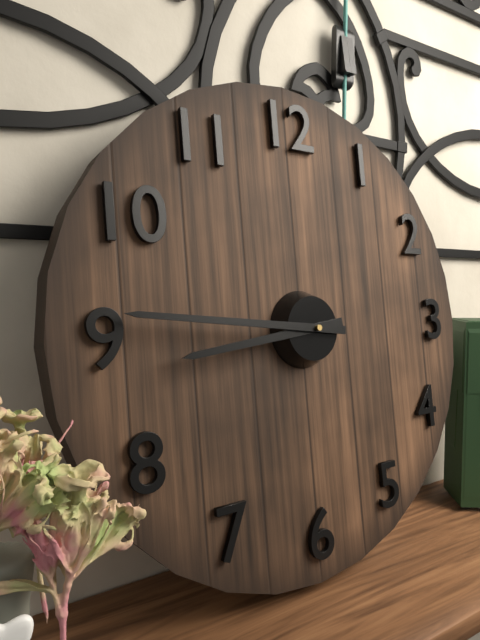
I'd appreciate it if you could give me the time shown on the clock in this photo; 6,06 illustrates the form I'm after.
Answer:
8,46
